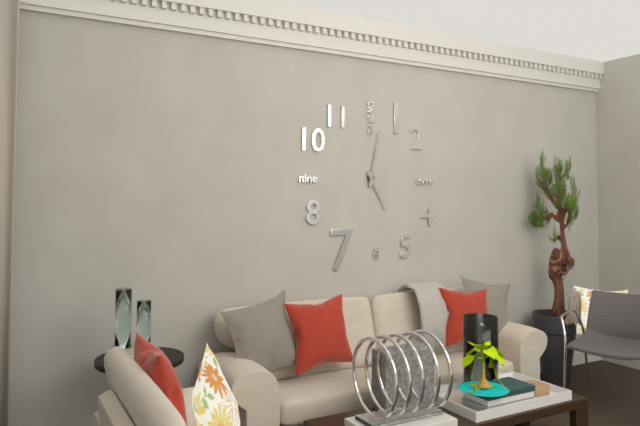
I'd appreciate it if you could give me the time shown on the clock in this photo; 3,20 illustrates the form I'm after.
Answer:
5,02
